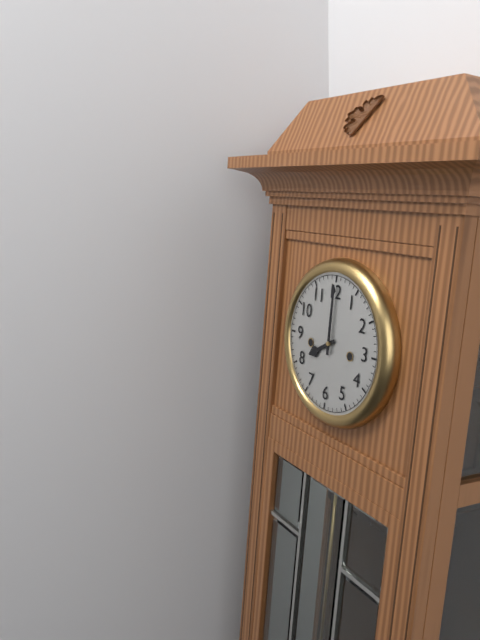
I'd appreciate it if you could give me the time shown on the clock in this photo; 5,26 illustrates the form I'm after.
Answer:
8,00
